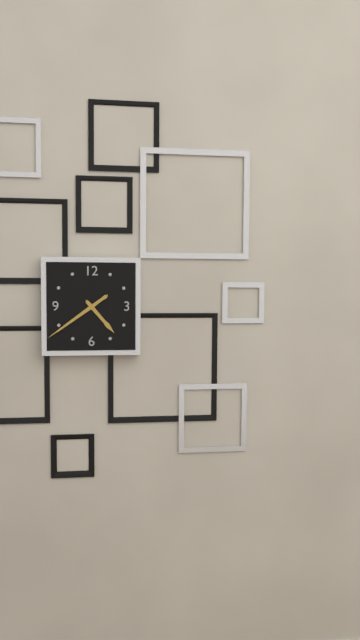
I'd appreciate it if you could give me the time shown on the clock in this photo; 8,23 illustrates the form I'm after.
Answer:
4,39
